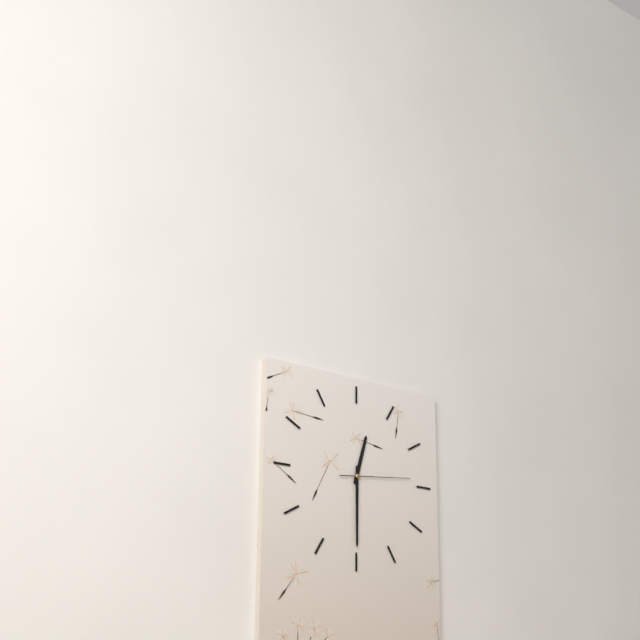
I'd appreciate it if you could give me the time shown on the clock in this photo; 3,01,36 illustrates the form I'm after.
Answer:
12,30,14
